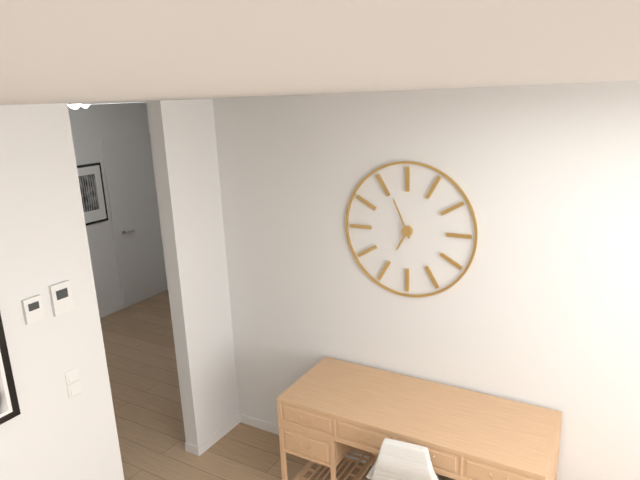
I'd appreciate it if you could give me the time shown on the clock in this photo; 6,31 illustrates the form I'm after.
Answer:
6,56
